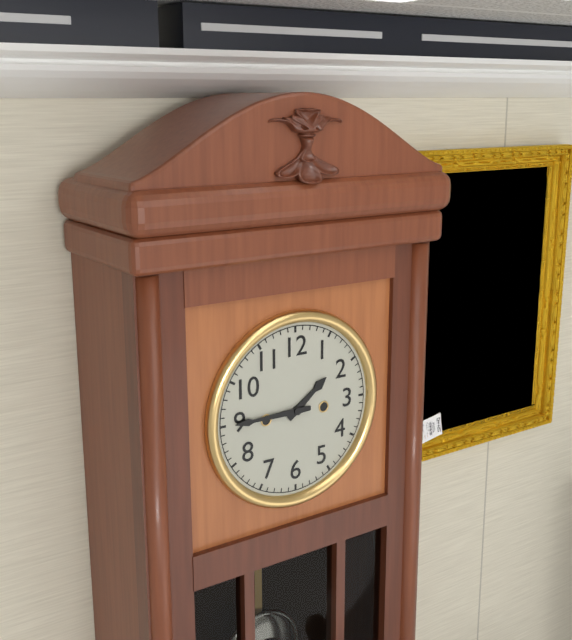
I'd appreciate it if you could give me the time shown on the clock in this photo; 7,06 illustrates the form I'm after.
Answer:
1,45
